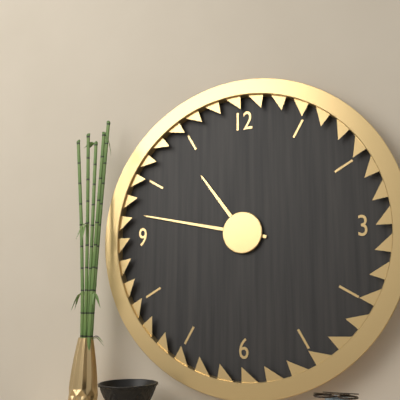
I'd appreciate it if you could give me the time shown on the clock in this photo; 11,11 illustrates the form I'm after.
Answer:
10,47
